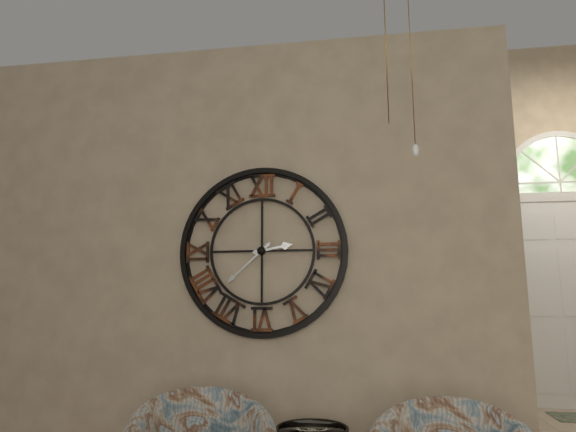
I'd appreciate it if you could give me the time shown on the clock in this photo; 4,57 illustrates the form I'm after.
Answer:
2,38
